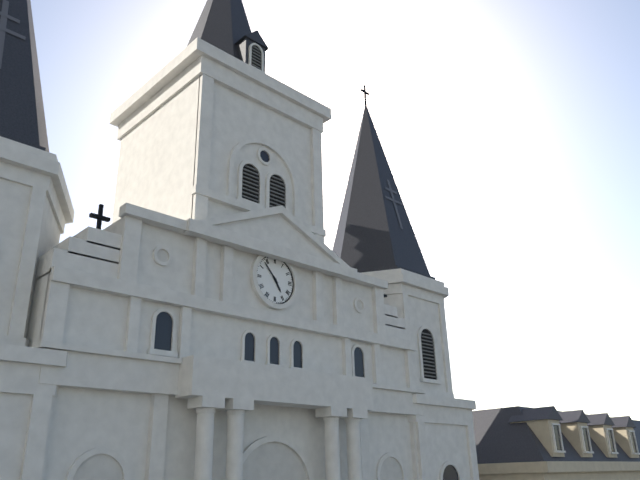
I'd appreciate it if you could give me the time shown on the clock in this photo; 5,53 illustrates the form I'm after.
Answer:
4,53
